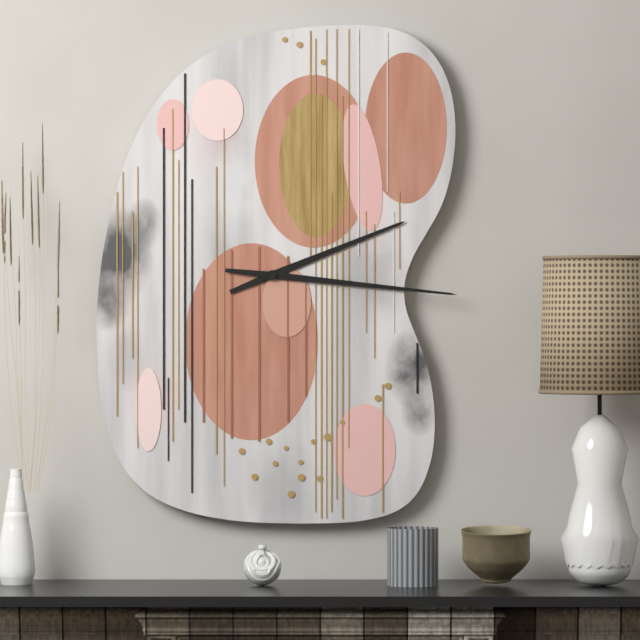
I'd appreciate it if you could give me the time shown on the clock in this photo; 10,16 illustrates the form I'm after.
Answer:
2,16
